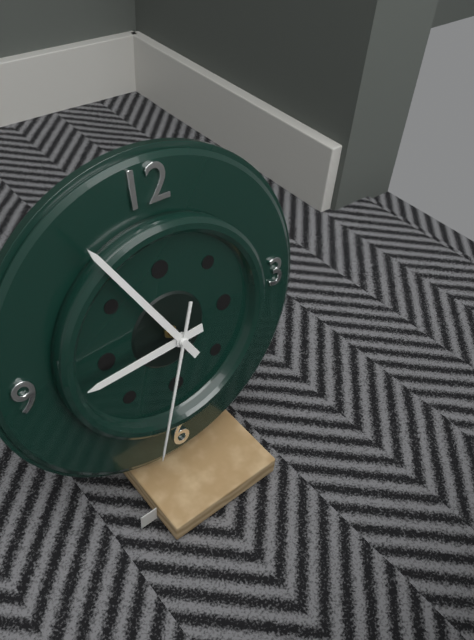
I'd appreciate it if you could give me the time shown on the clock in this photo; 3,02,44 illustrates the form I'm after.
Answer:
8,55,33
